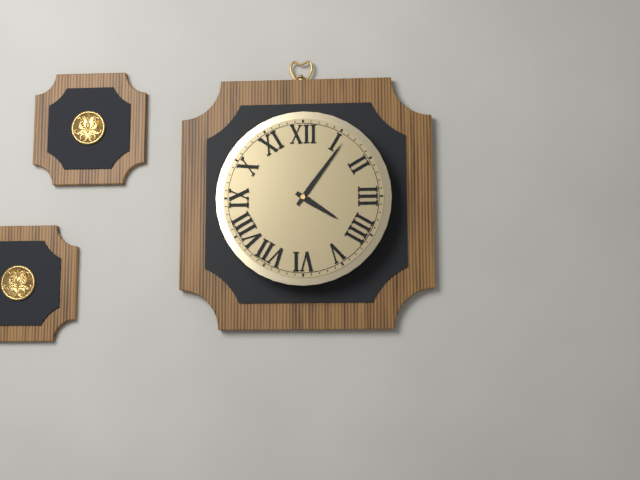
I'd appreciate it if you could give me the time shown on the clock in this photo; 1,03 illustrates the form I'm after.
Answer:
4,06
